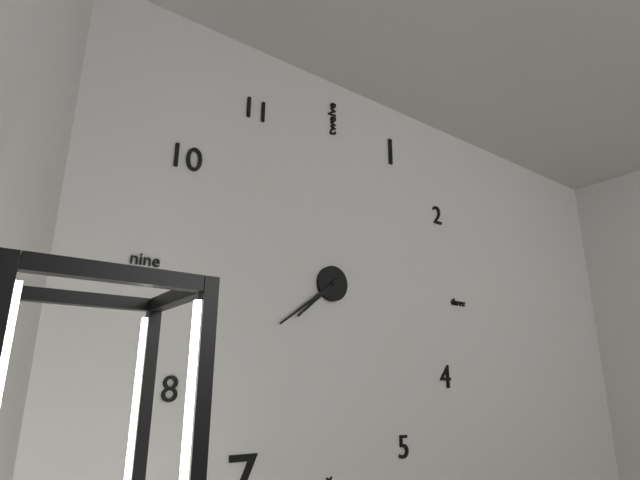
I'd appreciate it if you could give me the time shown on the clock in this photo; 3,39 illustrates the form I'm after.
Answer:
7,39
